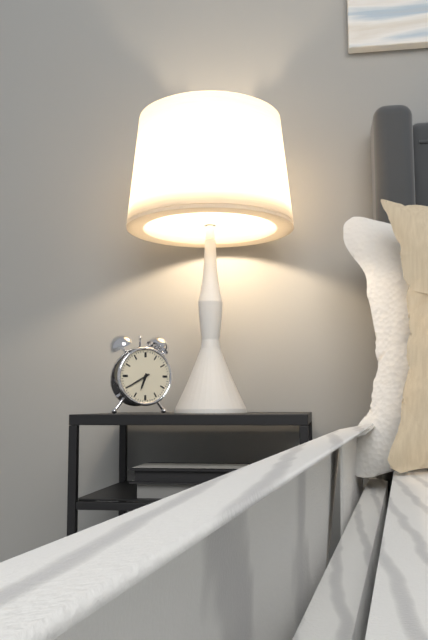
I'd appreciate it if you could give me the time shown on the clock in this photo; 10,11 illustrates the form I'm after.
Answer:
6,40
